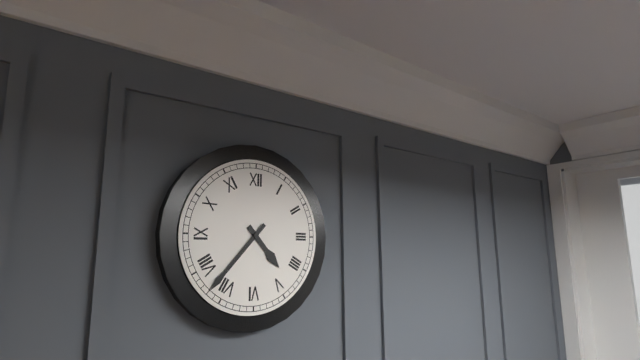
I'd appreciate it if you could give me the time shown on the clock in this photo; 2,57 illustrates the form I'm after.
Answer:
4,37
